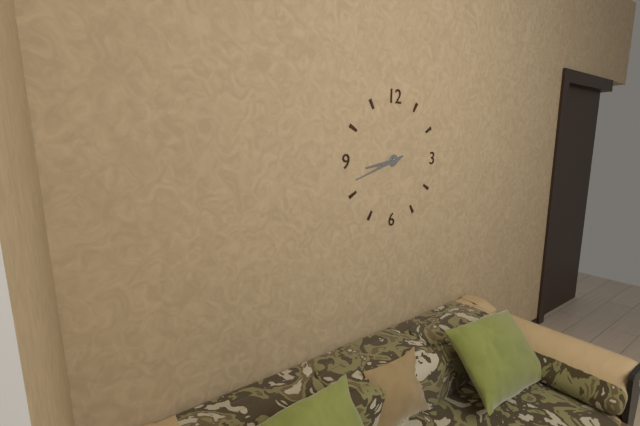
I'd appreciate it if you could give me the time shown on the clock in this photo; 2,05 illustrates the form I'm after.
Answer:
8,42
